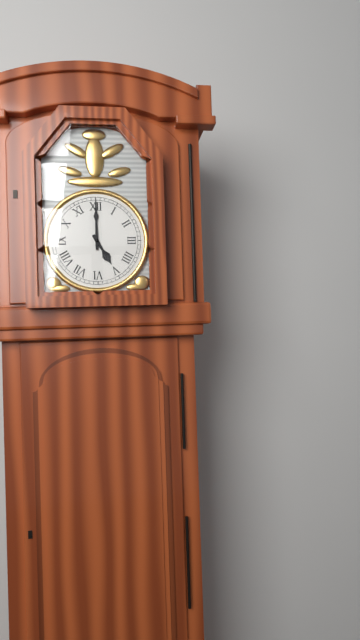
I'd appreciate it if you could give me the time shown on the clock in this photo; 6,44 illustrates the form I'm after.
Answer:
5,00
